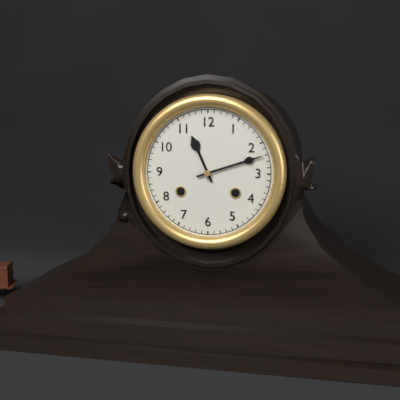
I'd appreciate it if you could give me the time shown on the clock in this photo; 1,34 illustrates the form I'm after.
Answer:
11,12
